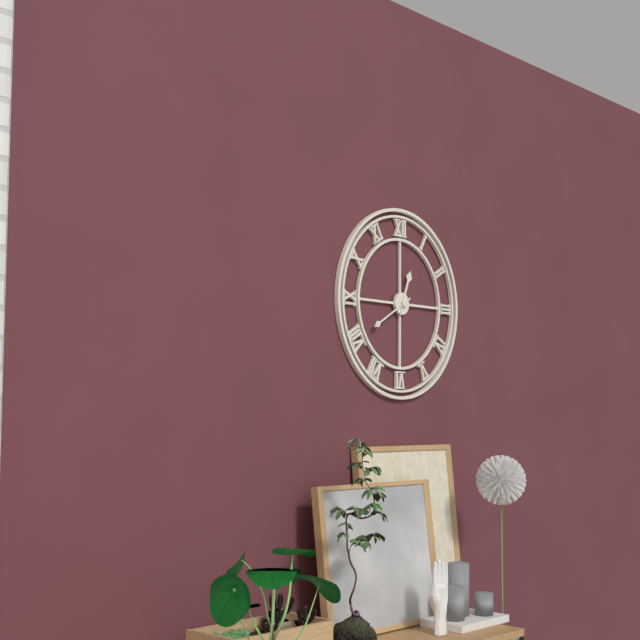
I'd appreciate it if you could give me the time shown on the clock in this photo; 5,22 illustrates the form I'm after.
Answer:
12,40
